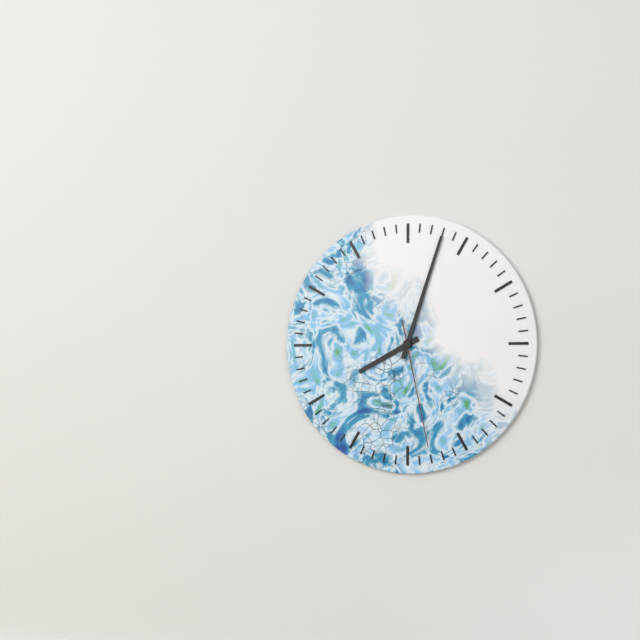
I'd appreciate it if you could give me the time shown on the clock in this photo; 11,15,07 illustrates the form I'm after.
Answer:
8,03,28
